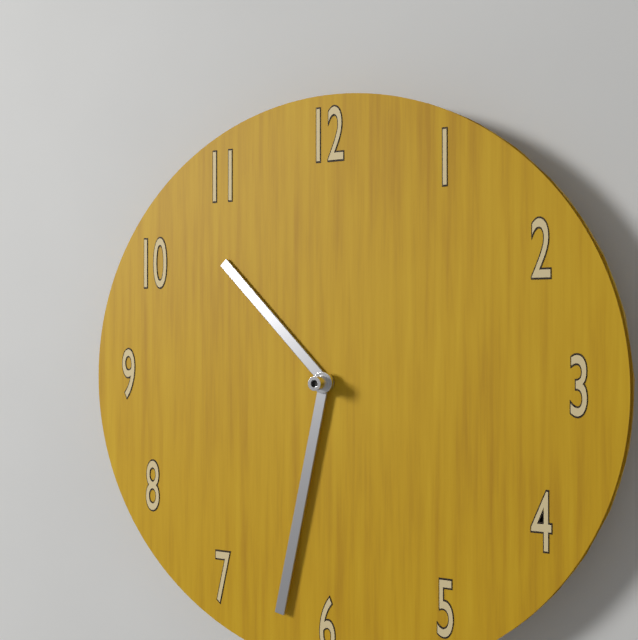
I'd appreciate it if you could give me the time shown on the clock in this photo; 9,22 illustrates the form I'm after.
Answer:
10,32
